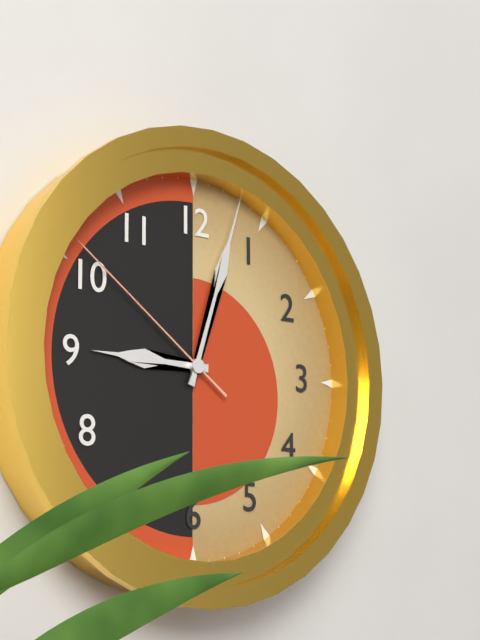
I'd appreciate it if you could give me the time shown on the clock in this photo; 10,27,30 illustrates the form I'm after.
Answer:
9,03,51
